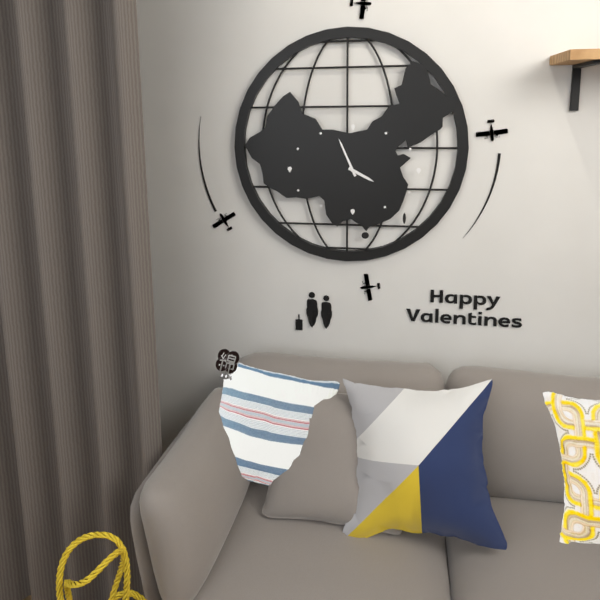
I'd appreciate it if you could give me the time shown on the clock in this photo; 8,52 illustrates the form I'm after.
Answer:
3,56
